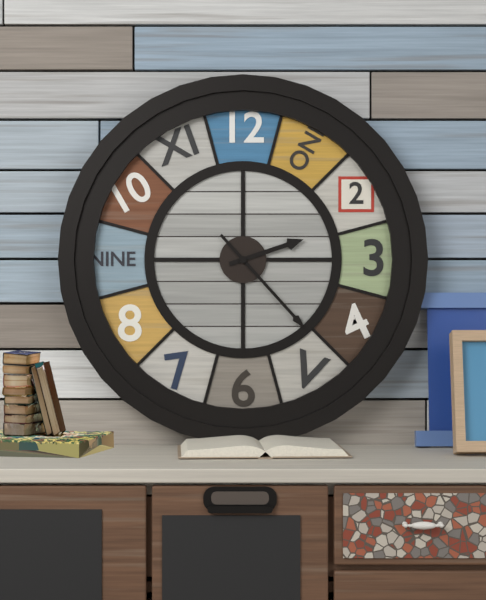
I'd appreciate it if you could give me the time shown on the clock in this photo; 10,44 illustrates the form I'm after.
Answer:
2,23
